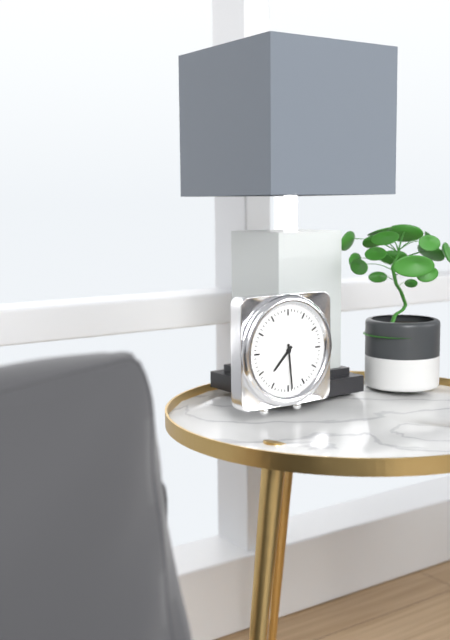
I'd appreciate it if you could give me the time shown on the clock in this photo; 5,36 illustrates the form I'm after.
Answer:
7,29
